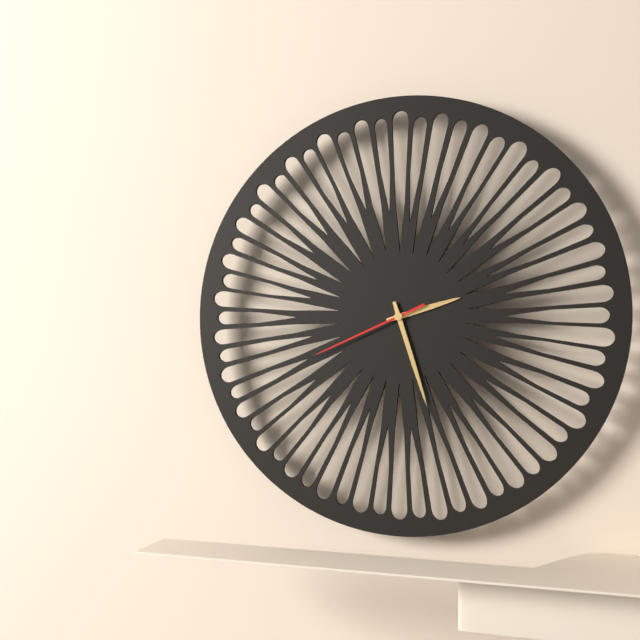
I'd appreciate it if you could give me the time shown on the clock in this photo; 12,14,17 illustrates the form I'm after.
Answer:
2,27,41
